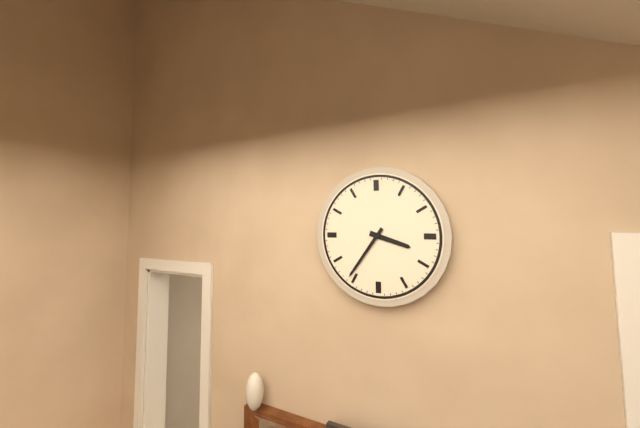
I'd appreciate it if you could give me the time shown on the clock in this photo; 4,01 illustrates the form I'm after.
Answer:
3,36
